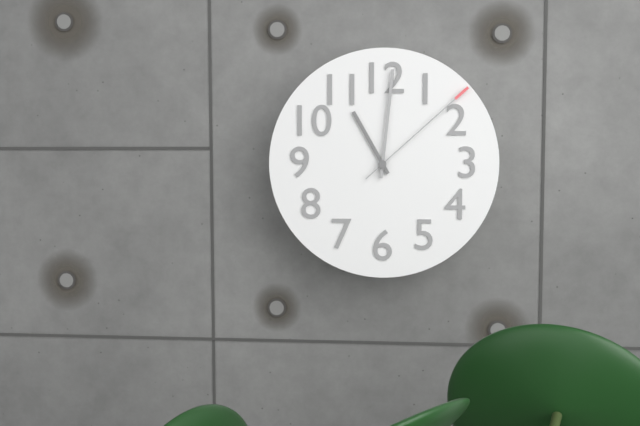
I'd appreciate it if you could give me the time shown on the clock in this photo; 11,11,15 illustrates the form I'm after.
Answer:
11,01,08
